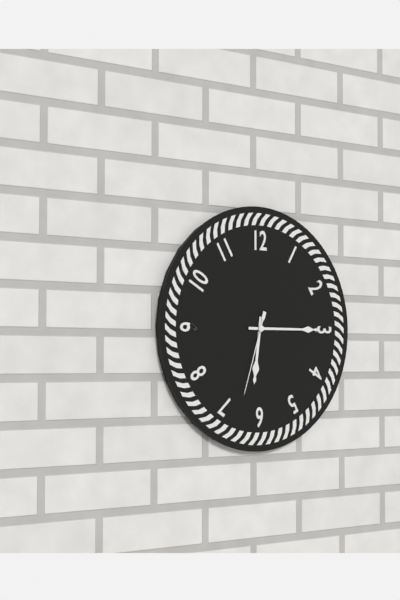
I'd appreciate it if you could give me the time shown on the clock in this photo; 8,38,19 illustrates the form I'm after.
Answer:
6,15,33
